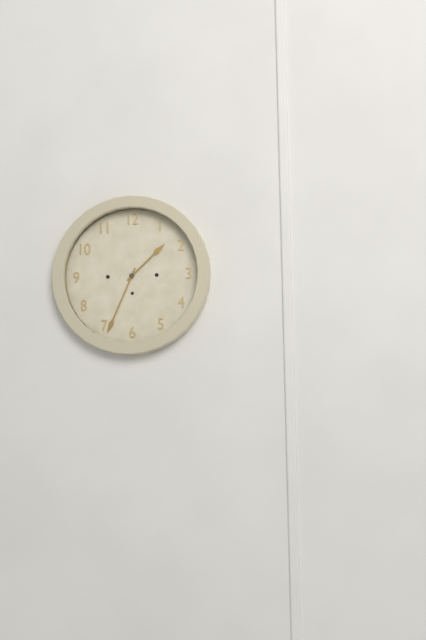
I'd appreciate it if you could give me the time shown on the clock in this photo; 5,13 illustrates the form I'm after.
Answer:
1,34
